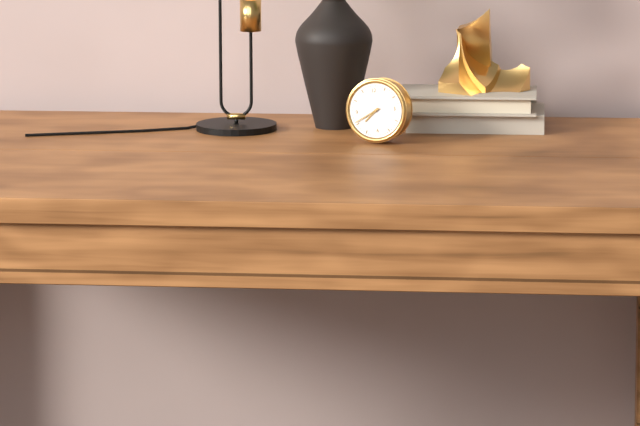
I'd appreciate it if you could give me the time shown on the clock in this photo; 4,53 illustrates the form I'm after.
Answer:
7,41
